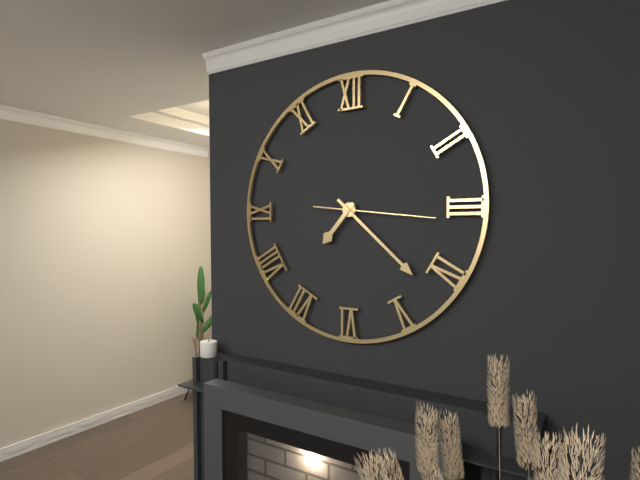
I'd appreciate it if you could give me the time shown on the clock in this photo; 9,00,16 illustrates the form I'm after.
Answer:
7,22,16
